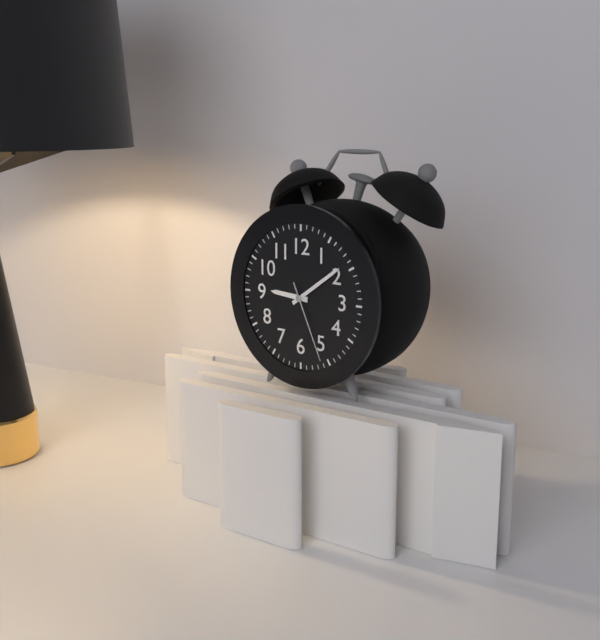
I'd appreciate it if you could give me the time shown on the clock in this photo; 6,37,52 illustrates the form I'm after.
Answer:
9,09,26
